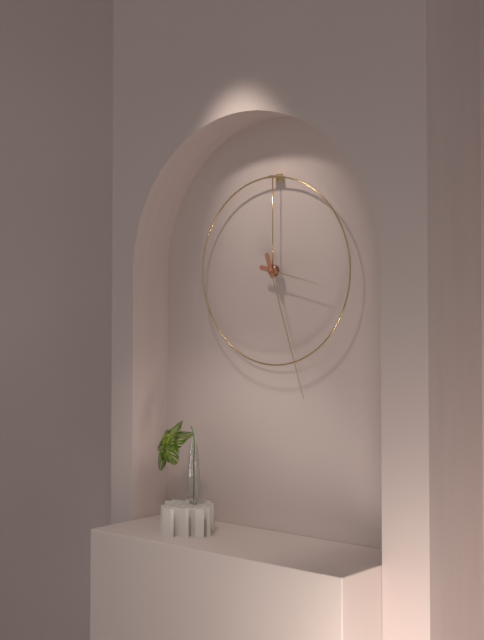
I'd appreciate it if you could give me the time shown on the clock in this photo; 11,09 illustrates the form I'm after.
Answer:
3,27
